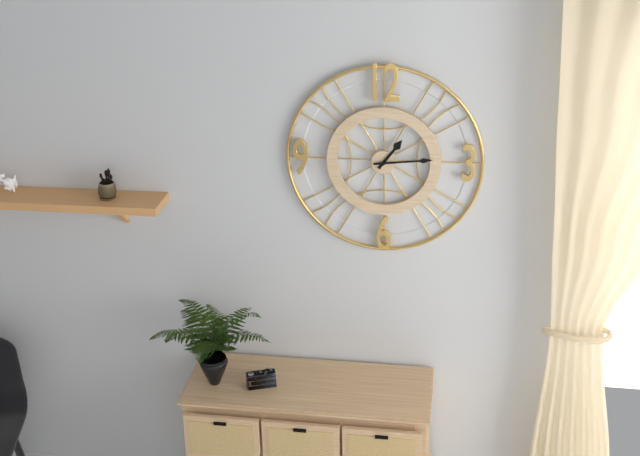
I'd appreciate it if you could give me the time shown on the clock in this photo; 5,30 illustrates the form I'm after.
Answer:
1,14
